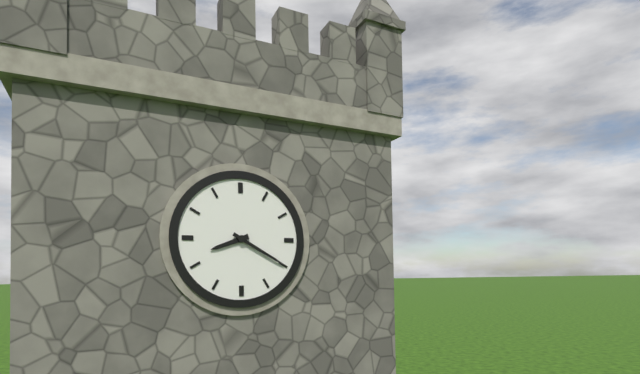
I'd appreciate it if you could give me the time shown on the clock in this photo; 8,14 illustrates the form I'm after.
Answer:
8,20
